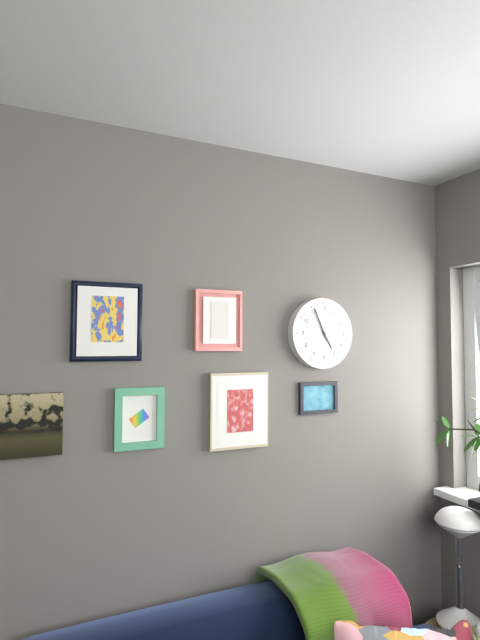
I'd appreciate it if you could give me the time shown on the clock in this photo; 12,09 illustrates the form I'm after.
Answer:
4,56
